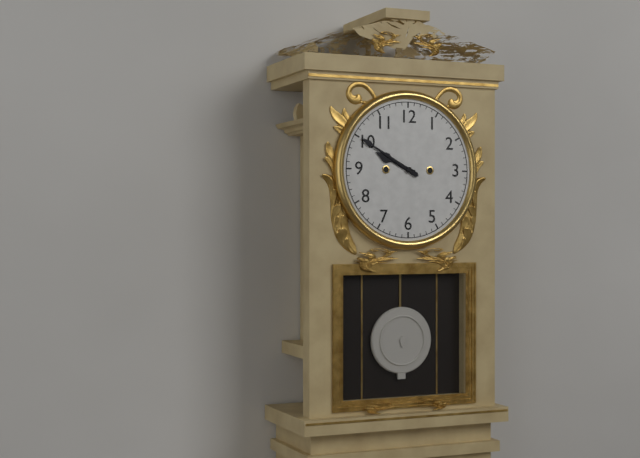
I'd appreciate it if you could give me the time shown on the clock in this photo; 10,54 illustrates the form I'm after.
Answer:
9,50
